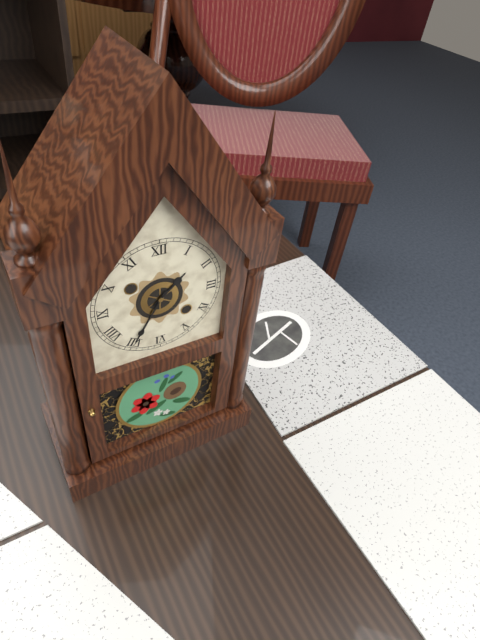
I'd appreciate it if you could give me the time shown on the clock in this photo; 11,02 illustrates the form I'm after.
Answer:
1,35
